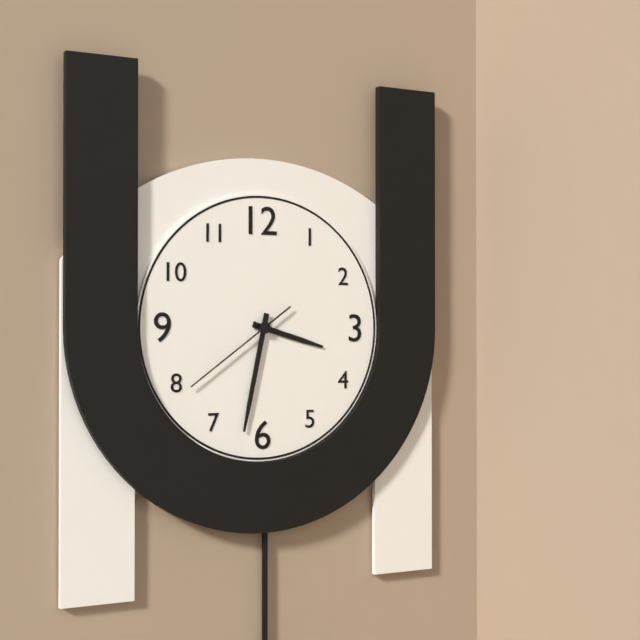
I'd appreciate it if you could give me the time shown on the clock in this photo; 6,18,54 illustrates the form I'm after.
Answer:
3,32,39
